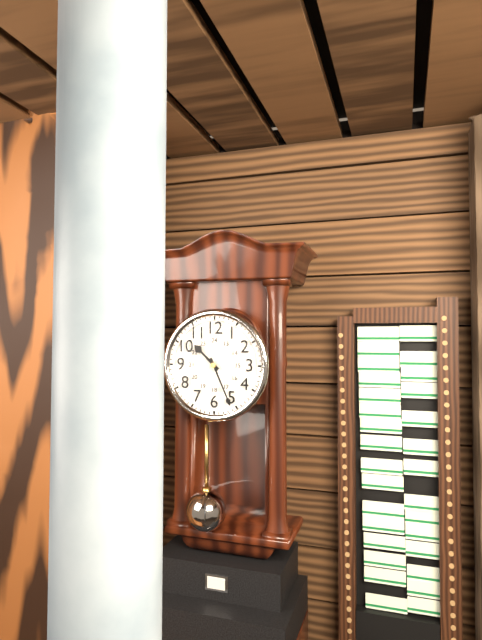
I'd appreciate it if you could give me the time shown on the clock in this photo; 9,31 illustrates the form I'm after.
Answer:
10,26
